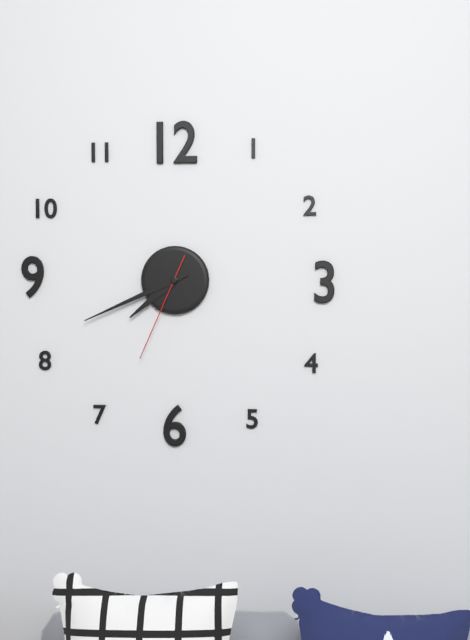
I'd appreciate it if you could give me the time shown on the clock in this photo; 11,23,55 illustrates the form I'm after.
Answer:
7,41,34
